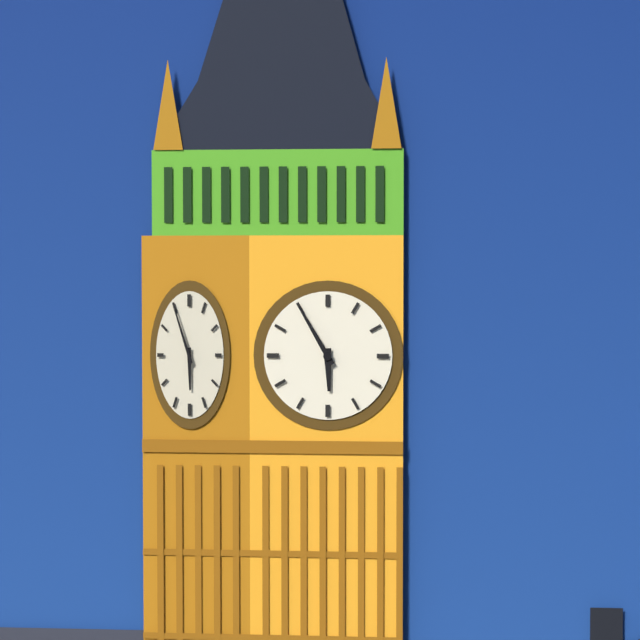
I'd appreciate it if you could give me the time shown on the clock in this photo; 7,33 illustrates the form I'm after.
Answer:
5,55
